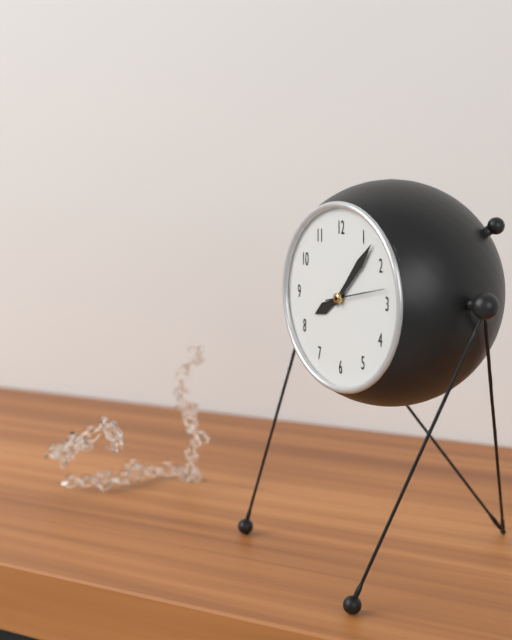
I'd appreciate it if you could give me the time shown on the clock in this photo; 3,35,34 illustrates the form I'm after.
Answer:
8,07,13
